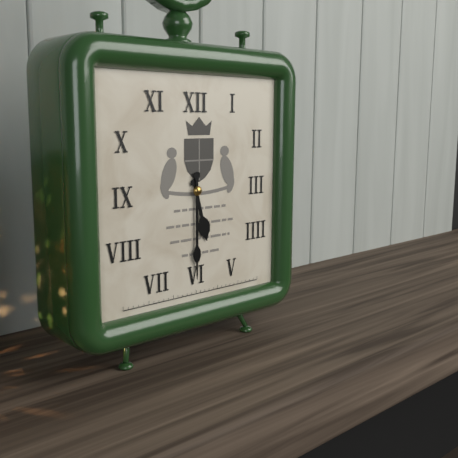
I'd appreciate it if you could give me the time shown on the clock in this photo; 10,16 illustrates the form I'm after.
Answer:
5,30
